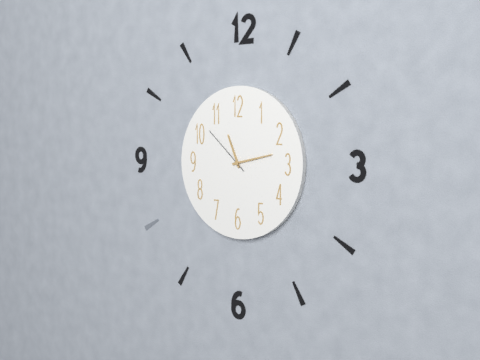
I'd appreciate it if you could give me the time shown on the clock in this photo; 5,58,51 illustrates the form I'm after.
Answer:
11,13,52
